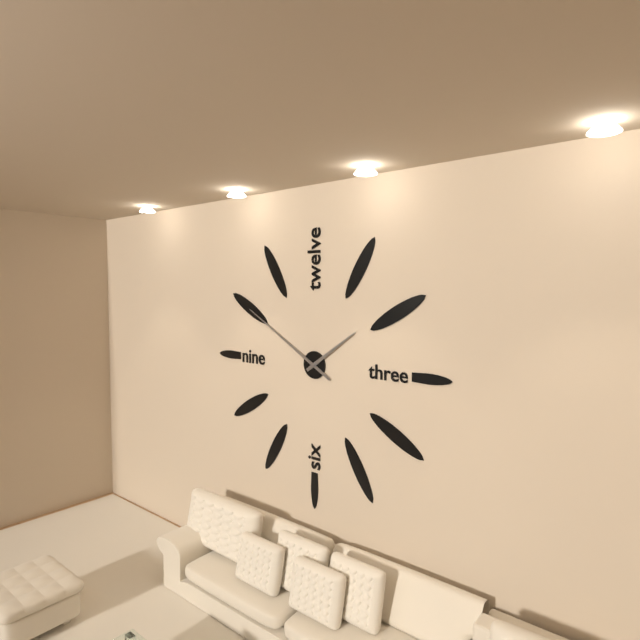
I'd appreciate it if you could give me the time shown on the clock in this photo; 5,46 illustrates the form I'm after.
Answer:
1,50
